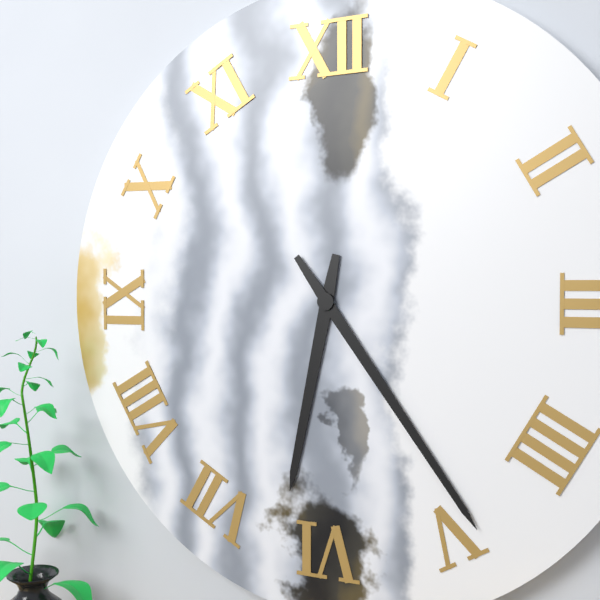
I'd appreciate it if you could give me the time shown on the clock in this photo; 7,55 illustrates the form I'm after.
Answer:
6,24
